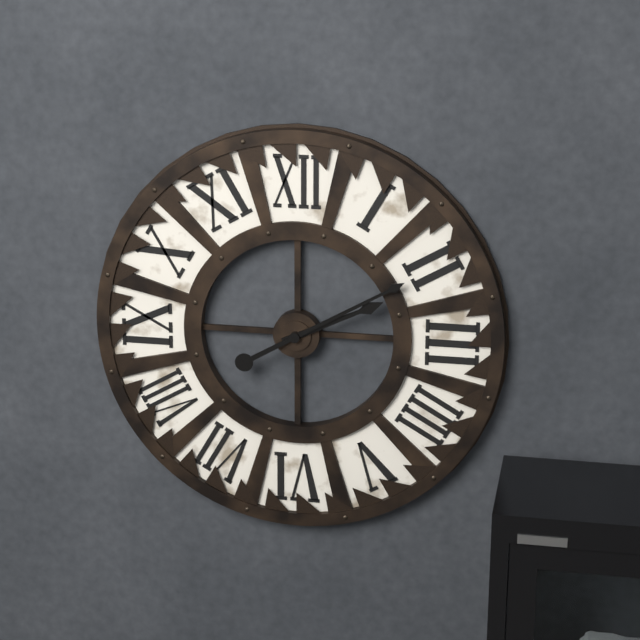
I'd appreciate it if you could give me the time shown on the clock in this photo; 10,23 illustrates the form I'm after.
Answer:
2,10
